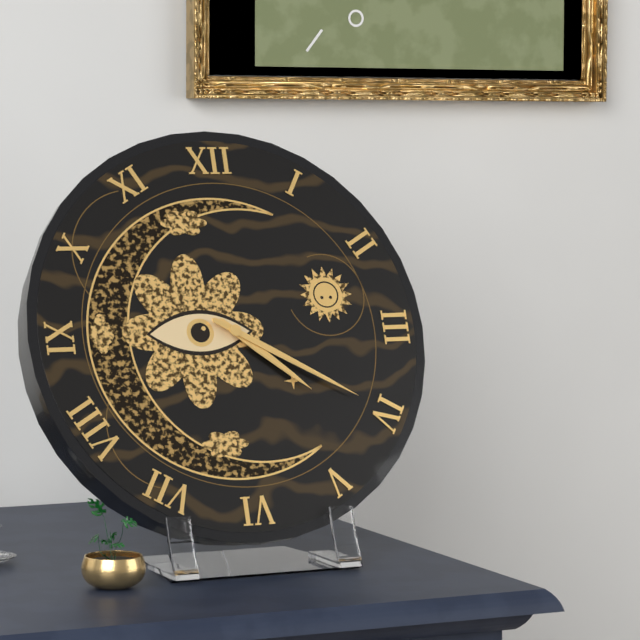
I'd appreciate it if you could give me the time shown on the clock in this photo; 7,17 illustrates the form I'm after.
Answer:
4,20
